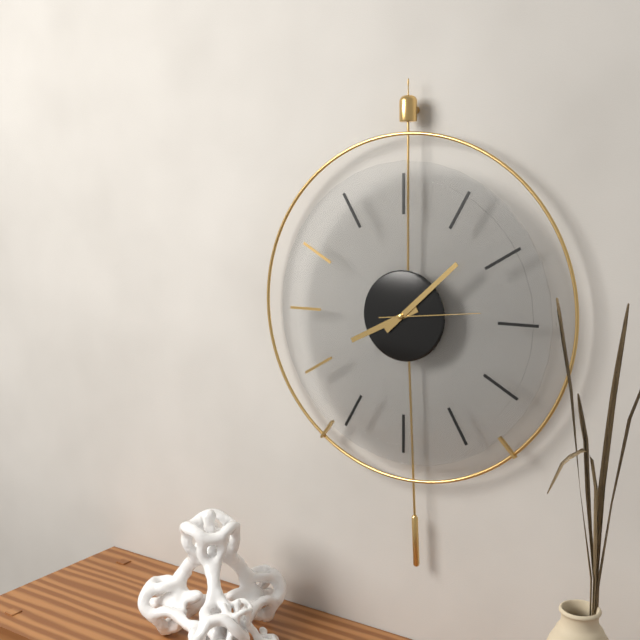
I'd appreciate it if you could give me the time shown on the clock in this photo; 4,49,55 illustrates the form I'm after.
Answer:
8,08,14
